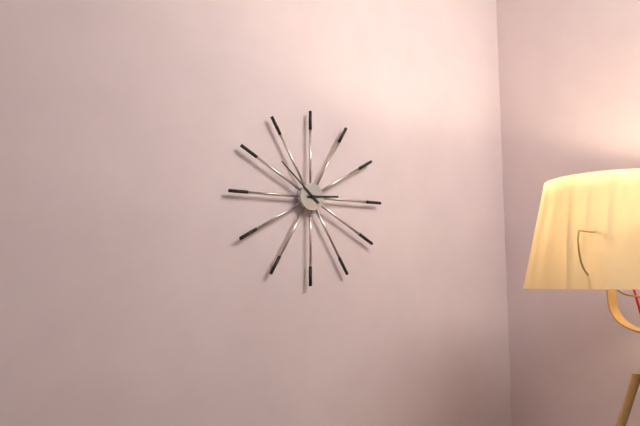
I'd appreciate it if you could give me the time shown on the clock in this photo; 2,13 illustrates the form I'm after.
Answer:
2,52
